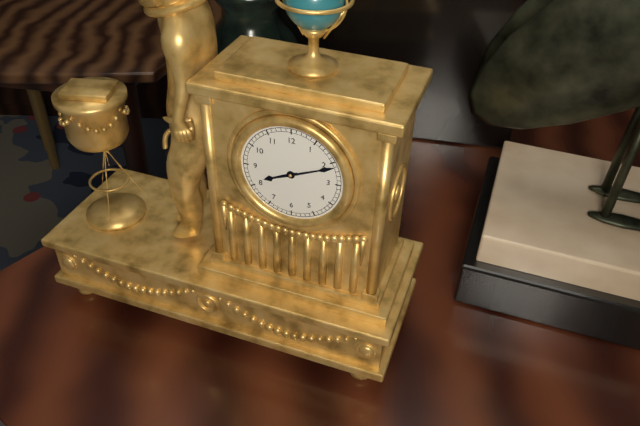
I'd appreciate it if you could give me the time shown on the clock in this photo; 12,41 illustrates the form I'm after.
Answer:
8,11
